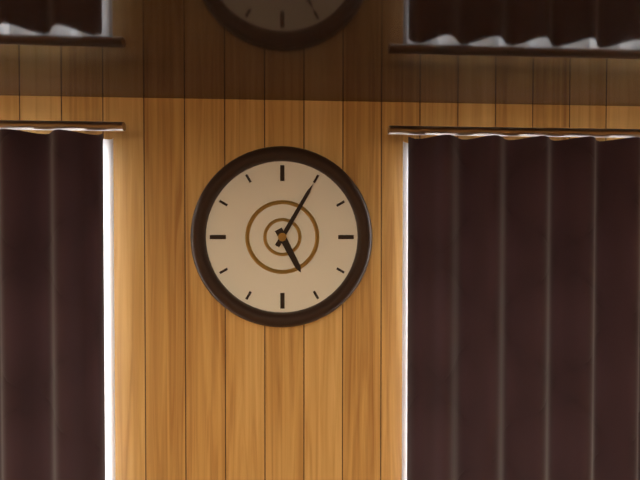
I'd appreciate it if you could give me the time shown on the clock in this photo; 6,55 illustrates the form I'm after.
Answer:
5,05
